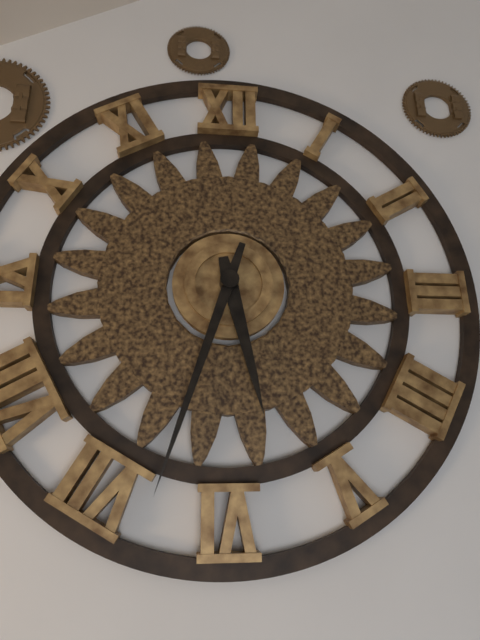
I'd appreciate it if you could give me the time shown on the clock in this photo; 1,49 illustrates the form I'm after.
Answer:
5,33
